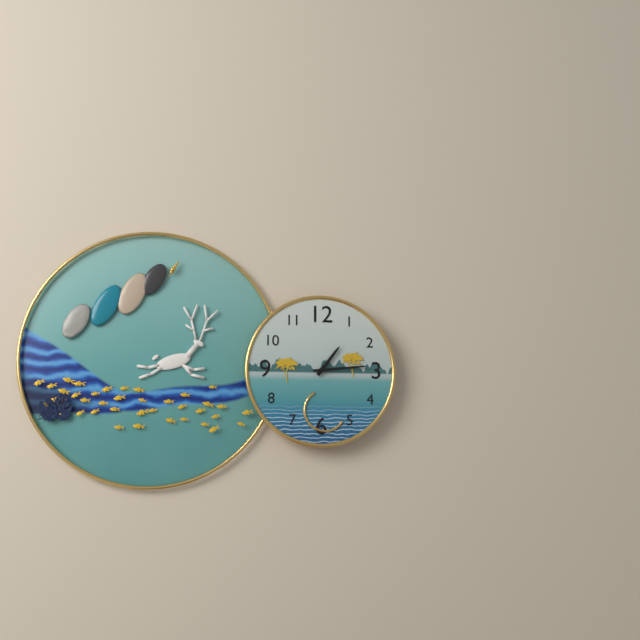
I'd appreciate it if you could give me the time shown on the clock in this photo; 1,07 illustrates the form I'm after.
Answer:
1,14
